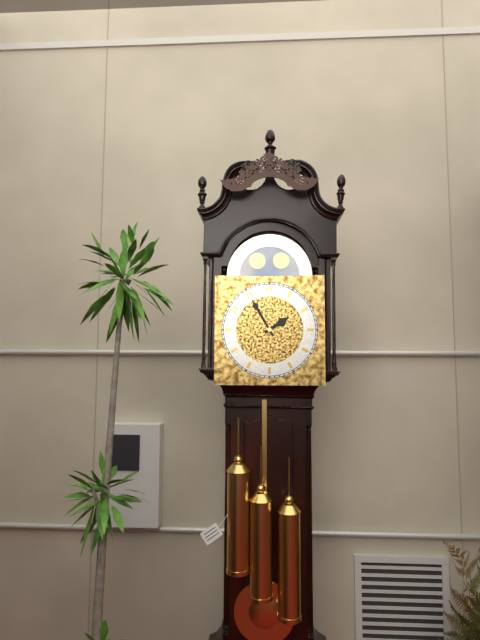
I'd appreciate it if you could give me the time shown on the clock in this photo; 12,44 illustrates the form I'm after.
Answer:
1,55
